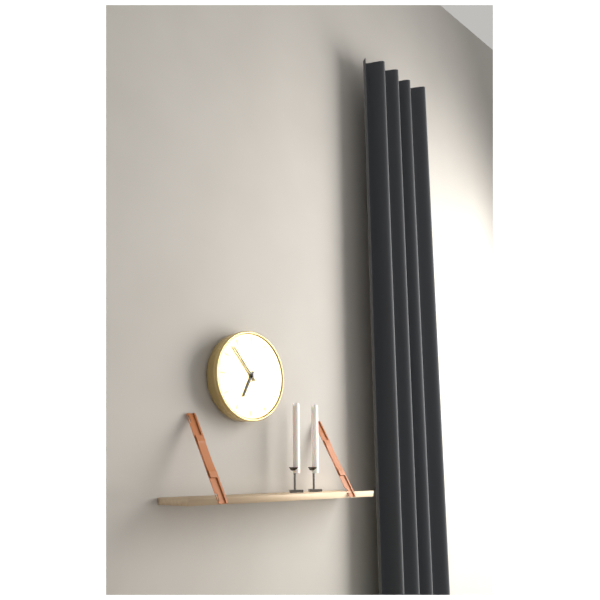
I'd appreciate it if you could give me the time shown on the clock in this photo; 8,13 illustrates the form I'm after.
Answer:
6,53
